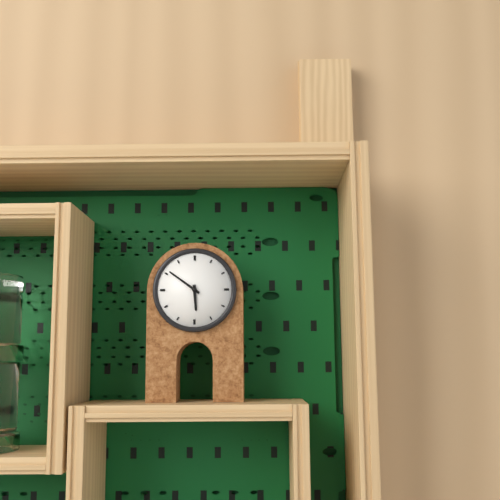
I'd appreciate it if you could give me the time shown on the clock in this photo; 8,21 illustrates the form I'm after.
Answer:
5,51
